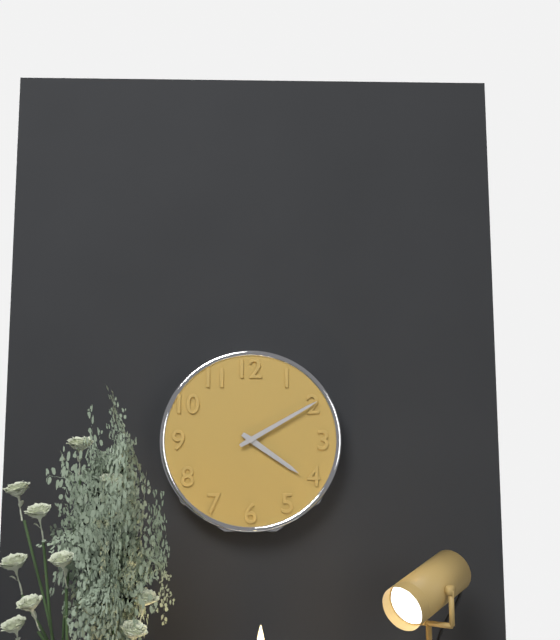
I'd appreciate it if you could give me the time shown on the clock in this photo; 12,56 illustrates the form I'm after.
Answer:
4,10
